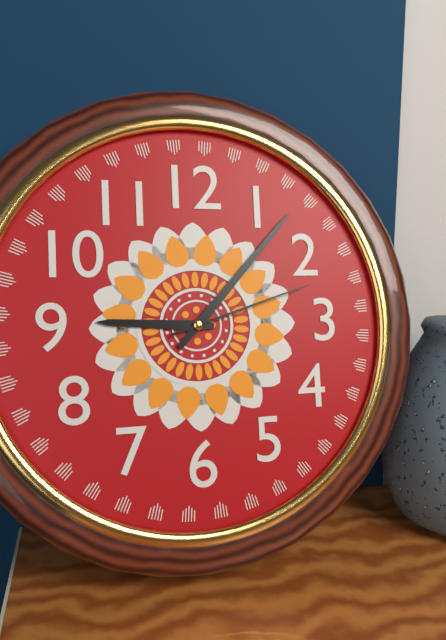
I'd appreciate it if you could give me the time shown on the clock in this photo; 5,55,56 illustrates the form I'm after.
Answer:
9,07,12
